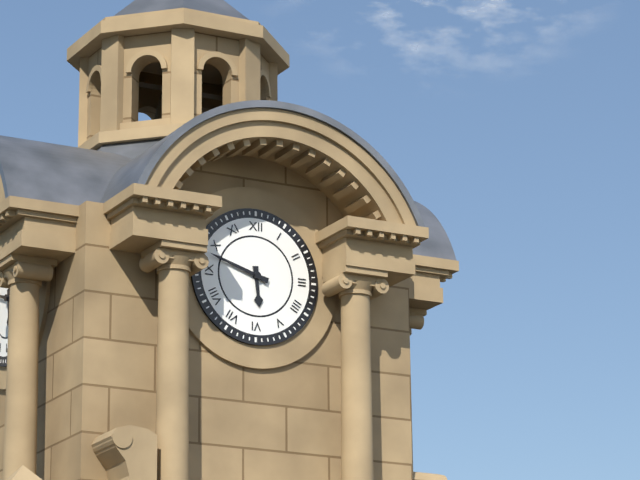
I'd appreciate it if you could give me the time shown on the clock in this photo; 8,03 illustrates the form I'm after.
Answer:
5,48
